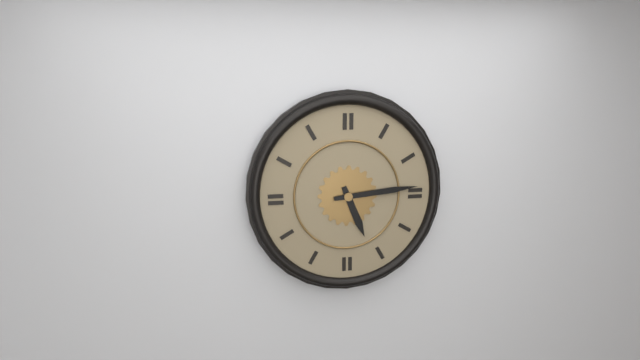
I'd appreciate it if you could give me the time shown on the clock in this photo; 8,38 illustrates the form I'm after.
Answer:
5,14
